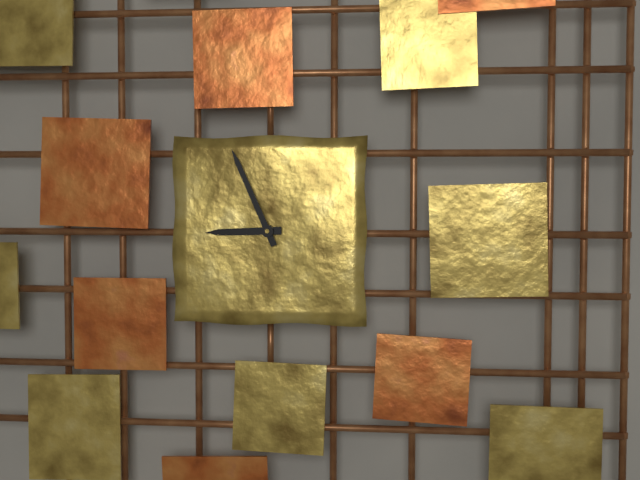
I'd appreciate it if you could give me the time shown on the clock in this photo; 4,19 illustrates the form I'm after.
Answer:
8,56
